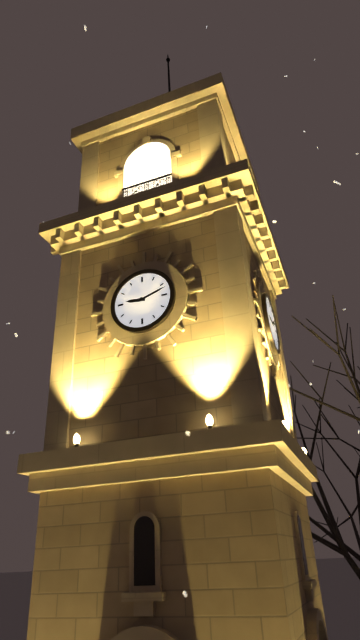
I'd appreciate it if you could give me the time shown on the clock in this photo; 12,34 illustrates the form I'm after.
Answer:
9,12
